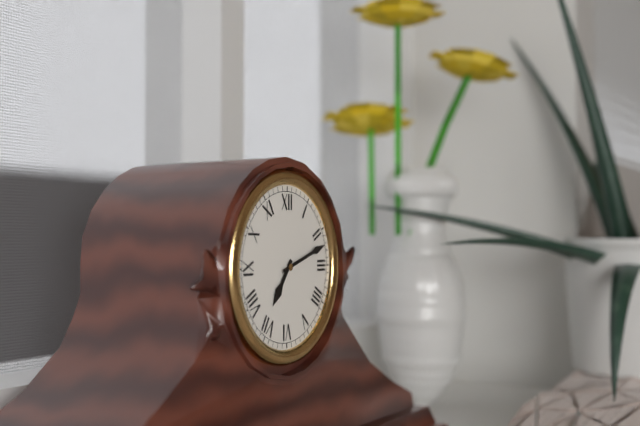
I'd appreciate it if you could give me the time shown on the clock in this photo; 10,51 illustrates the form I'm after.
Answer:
7,12
